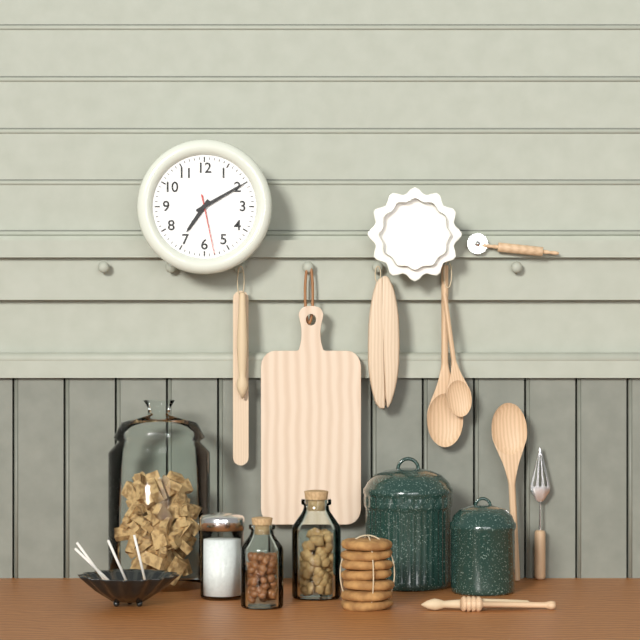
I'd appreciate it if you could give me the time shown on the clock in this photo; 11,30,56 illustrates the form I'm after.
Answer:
7,10,28
